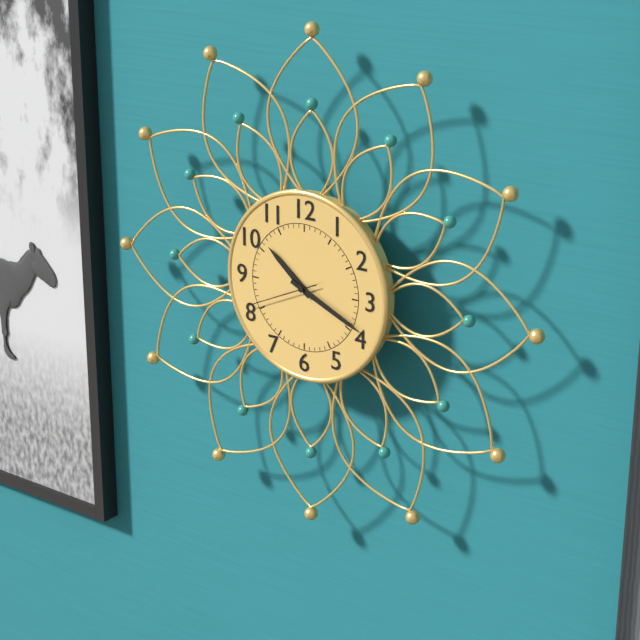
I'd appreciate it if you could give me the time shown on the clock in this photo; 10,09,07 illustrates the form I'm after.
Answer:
10,19,41
